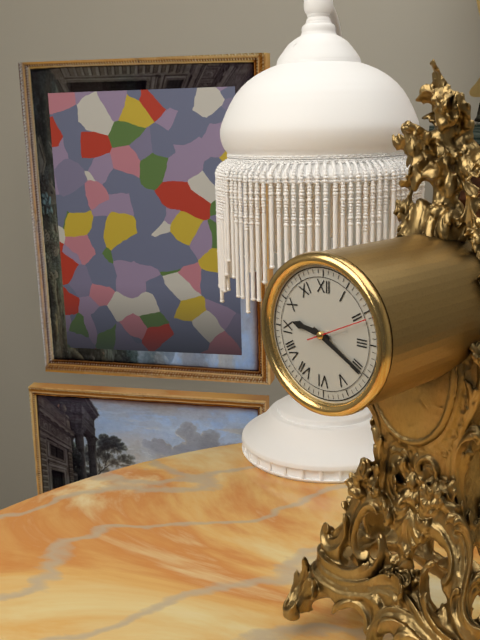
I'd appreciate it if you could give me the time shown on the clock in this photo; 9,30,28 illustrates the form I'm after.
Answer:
9,20,11
